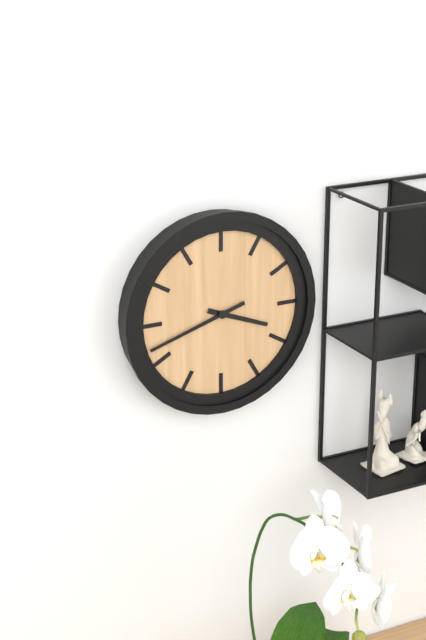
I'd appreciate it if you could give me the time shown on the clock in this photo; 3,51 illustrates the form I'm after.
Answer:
3,42
